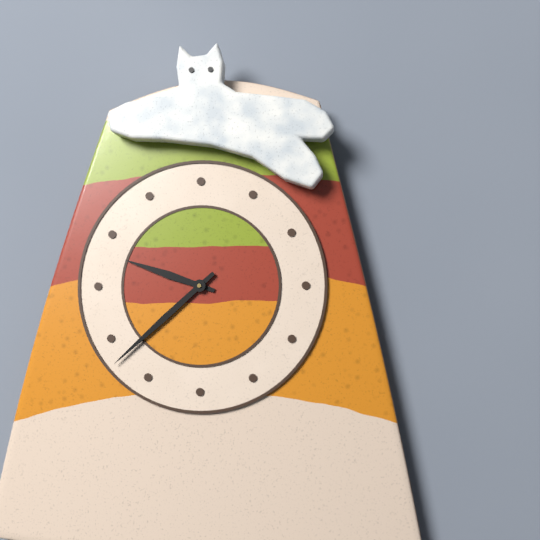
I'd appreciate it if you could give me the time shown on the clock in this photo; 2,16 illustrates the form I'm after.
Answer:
9,38
